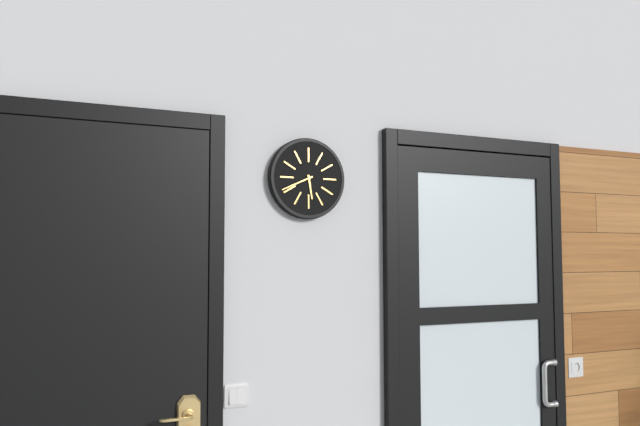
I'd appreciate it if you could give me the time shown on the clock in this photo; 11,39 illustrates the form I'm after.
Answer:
5,41
